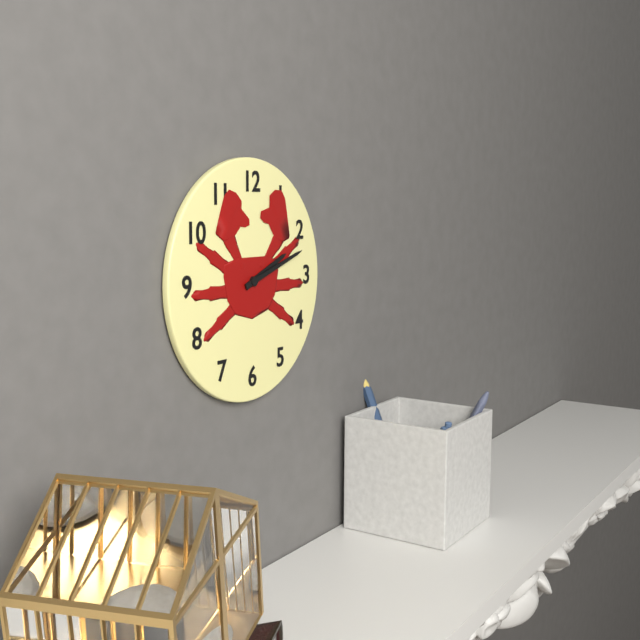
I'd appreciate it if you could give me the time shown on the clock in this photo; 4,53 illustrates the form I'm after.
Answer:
2,12
